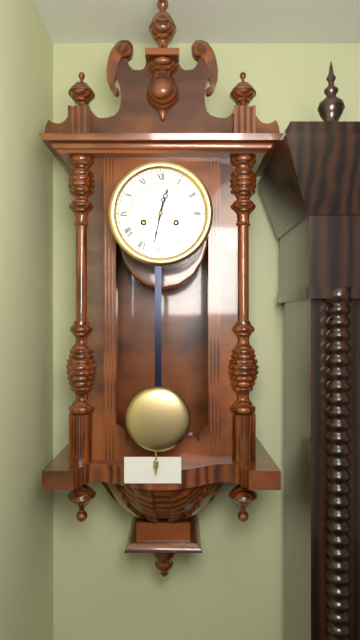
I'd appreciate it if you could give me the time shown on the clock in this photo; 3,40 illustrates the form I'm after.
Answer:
12,32
